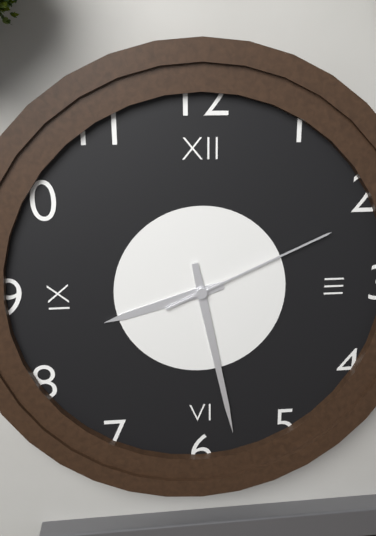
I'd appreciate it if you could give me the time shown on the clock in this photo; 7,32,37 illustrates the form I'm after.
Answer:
8,28,11
